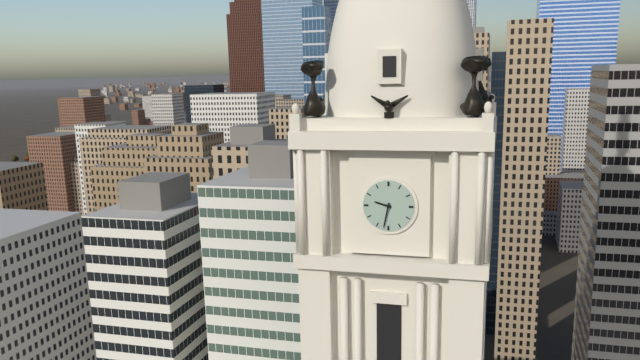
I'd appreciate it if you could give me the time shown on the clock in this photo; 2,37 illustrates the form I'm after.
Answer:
9,32
